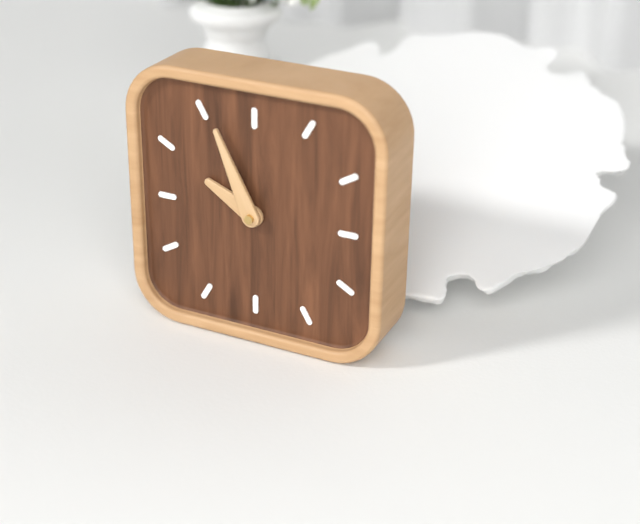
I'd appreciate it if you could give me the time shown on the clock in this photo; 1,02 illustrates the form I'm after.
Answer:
9,56
